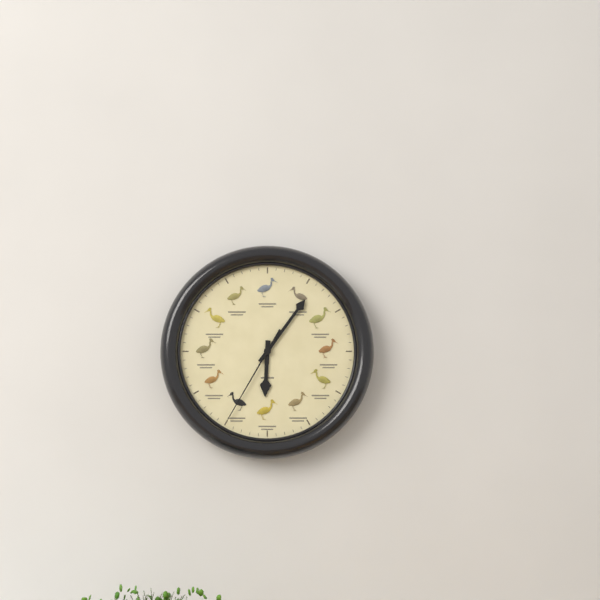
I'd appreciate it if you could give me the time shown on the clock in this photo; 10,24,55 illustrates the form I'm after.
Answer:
6,06,35
